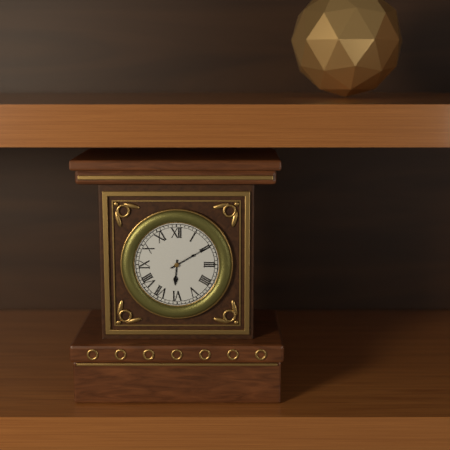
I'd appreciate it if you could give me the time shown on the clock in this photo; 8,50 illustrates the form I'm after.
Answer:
6,10
